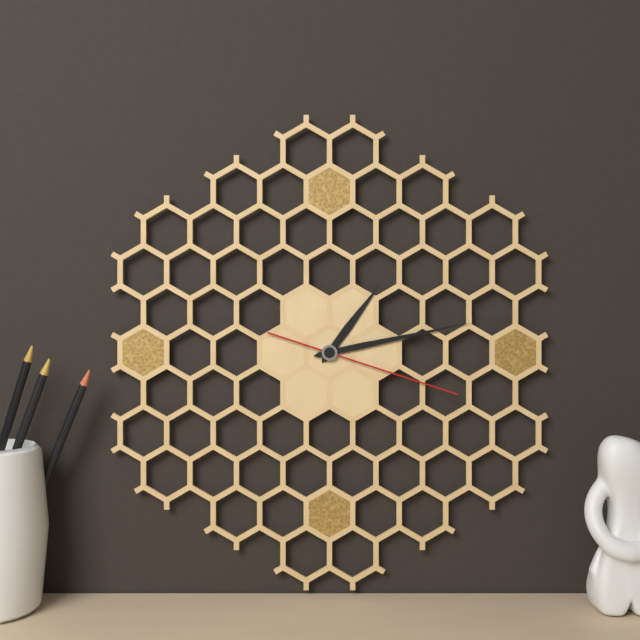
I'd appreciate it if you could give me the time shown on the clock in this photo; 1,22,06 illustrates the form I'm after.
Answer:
1,13,18
